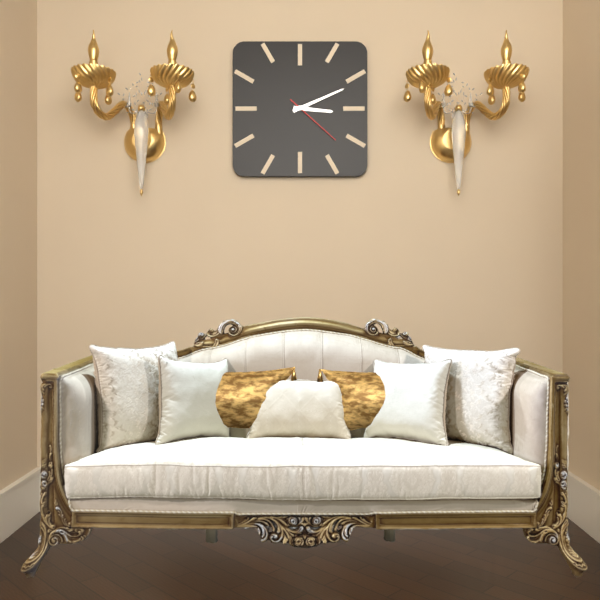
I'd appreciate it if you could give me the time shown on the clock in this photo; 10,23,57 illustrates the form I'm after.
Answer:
3,11,22
